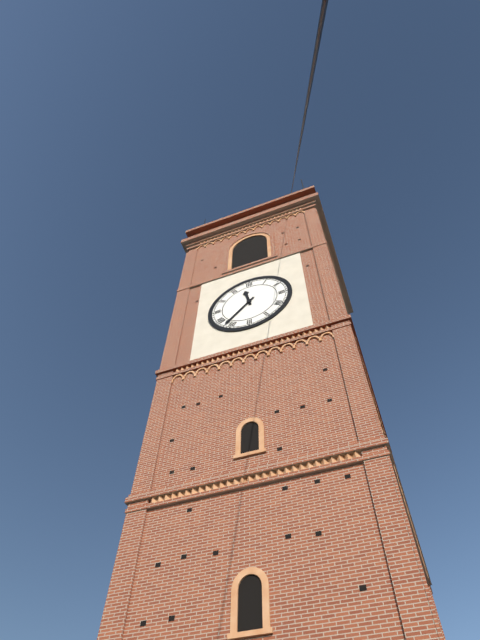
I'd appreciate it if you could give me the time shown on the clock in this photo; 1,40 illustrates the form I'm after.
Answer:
11,37
